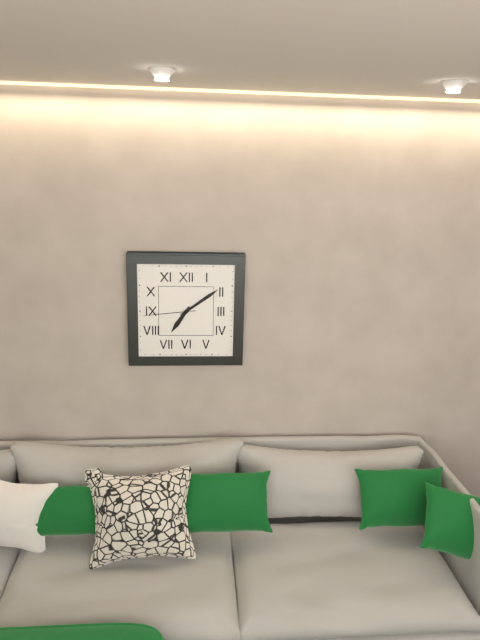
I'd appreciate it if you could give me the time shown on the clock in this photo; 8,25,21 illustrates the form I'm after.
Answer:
7,09,44
